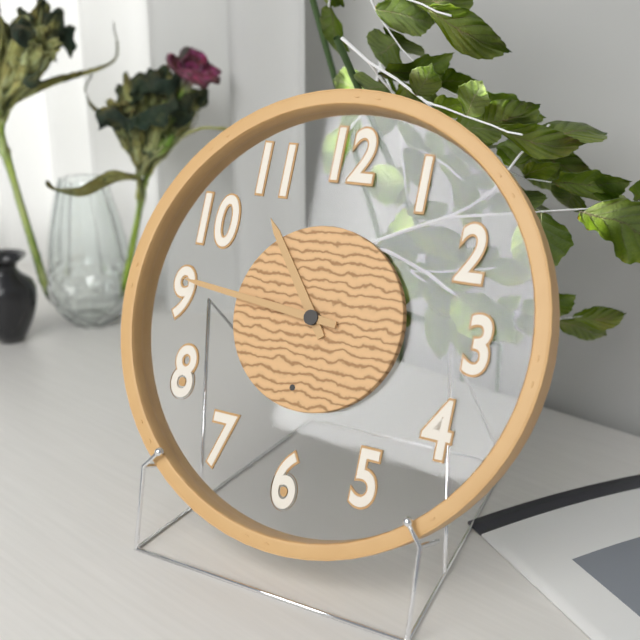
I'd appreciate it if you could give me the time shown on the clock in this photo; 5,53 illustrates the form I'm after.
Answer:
10,46
